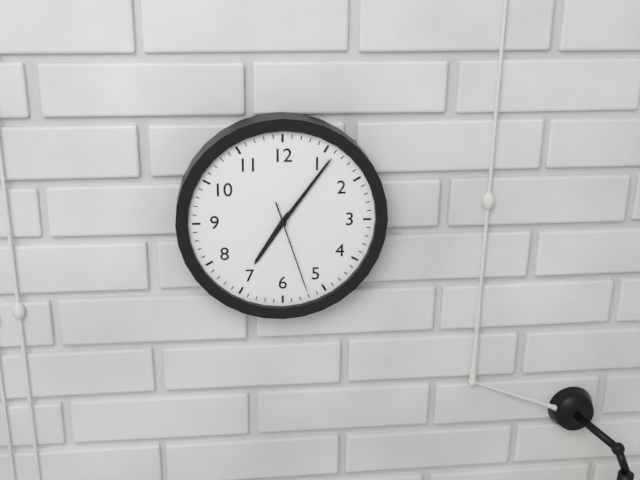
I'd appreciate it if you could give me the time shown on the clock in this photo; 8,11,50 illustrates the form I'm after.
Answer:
7,06,27
